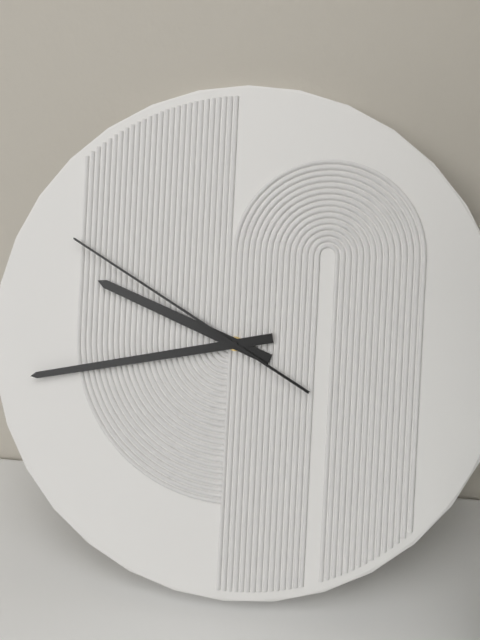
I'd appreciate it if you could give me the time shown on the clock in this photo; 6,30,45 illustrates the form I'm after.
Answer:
9,43,50
